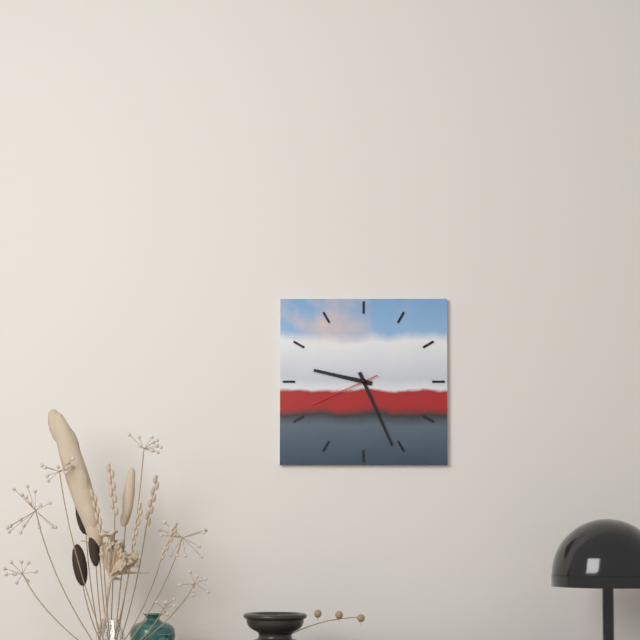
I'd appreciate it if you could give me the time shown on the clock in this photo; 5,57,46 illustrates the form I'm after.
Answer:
9,26,41
